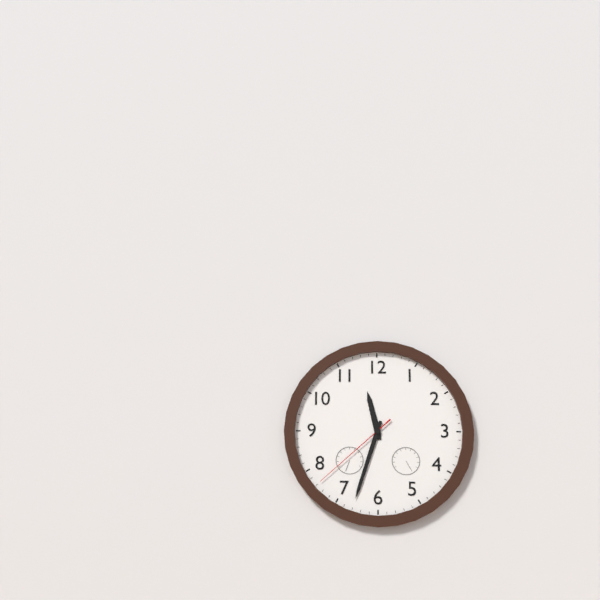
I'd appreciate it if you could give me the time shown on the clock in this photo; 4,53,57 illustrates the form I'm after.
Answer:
11,33,38
